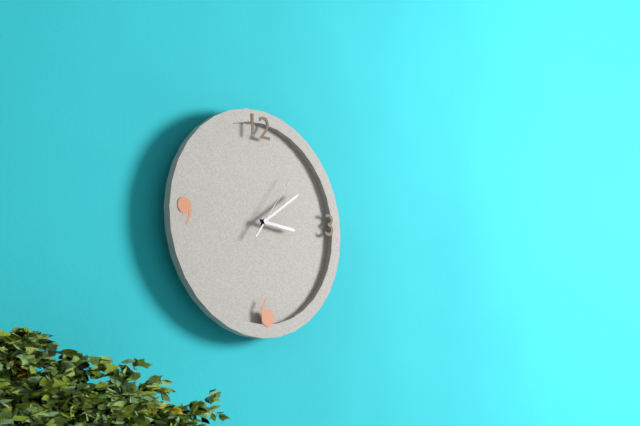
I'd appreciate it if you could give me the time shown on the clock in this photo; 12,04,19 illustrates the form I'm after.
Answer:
3,09,06
